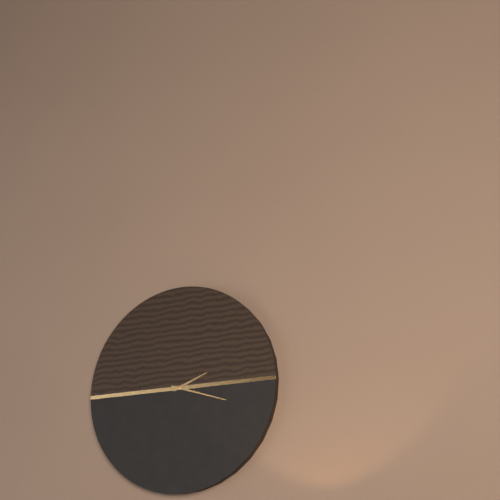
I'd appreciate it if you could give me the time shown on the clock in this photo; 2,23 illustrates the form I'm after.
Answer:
2,18
